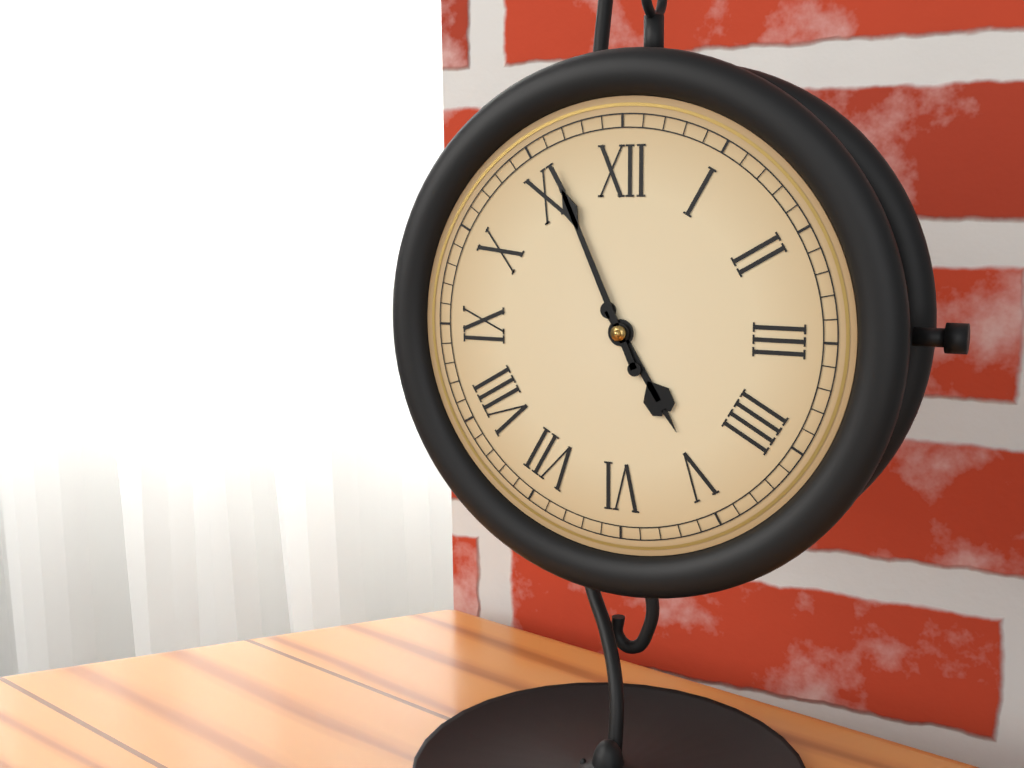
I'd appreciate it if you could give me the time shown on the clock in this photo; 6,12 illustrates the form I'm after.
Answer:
4,56
